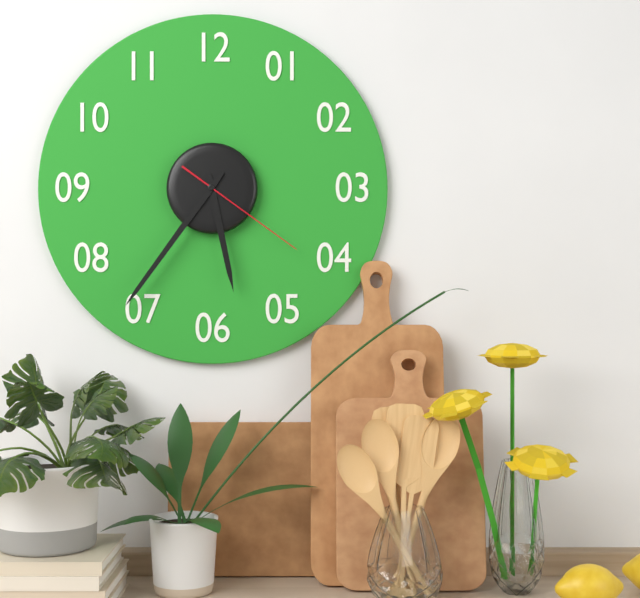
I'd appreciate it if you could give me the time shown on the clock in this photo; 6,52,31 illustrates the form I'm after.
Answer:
5,36,21
